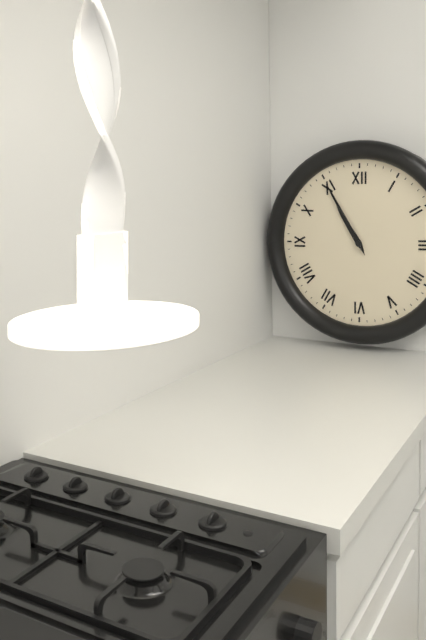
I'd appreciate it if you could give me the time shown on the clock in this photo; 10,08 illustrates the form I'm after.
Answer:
10,55
